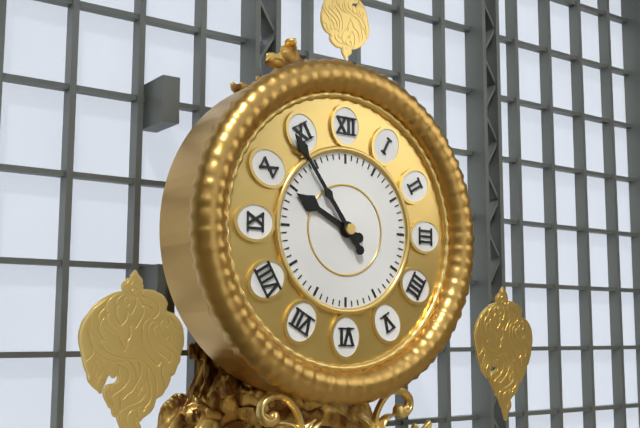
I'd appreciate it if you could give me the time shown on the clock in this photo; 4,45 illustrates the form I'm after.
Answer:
9,54
